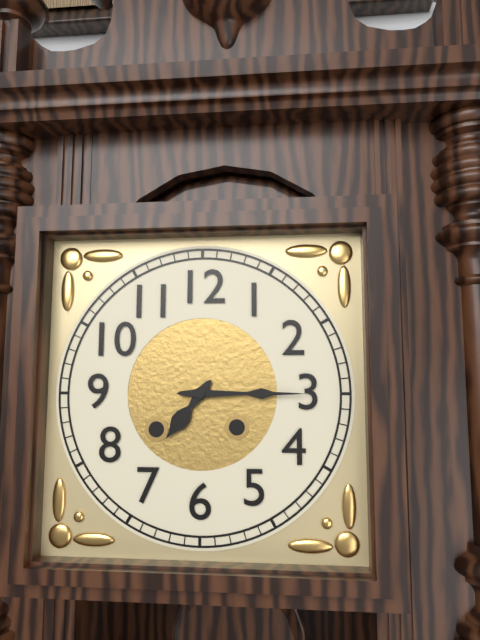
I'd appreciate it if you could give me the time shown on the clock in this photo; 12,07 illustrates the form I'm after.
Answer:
7,15
